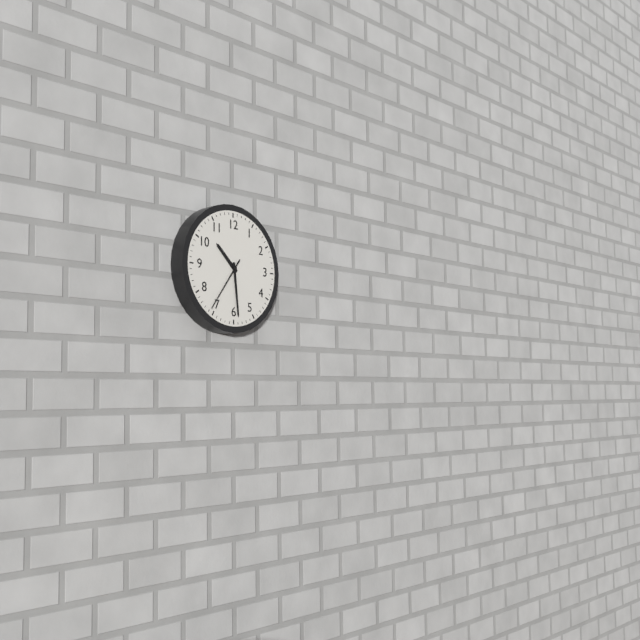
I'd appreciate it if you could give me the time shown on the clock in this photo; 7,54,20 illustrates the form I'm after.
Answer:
10,29,36
